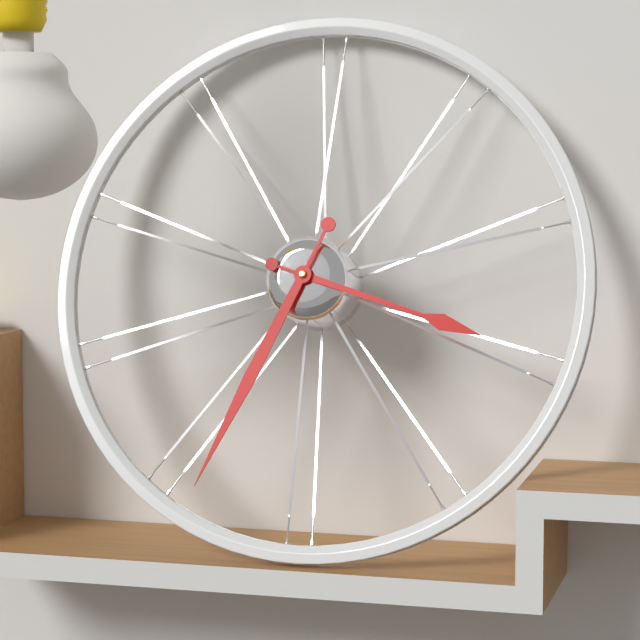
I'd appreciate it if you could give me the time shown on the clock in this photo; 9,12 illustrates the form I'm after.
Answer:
3,34
